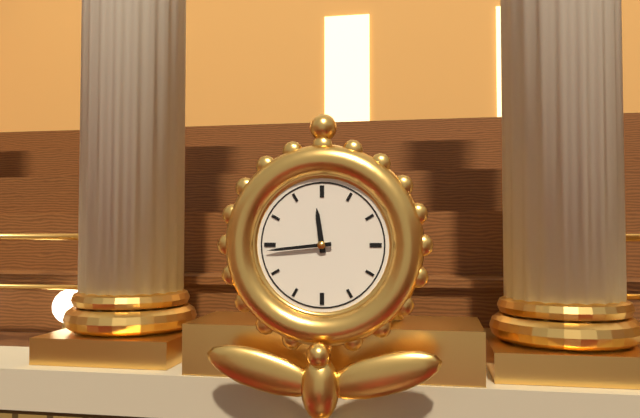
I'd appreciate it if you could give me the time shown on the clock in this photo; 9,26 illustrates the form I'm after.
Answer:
11,44
